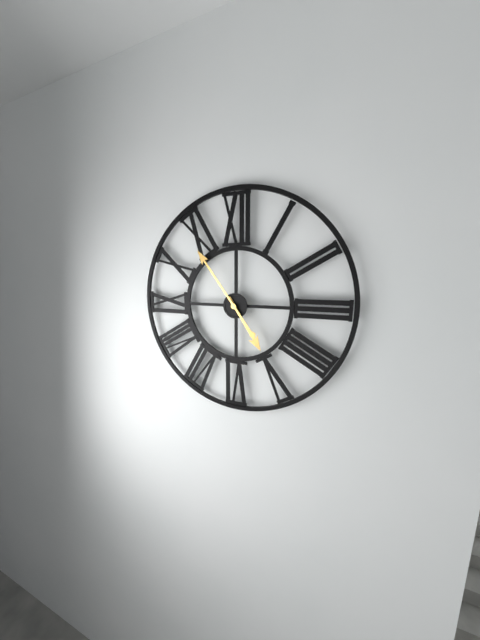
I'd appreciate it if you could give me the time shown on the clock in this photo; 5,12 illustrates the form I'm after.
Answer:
4,54
